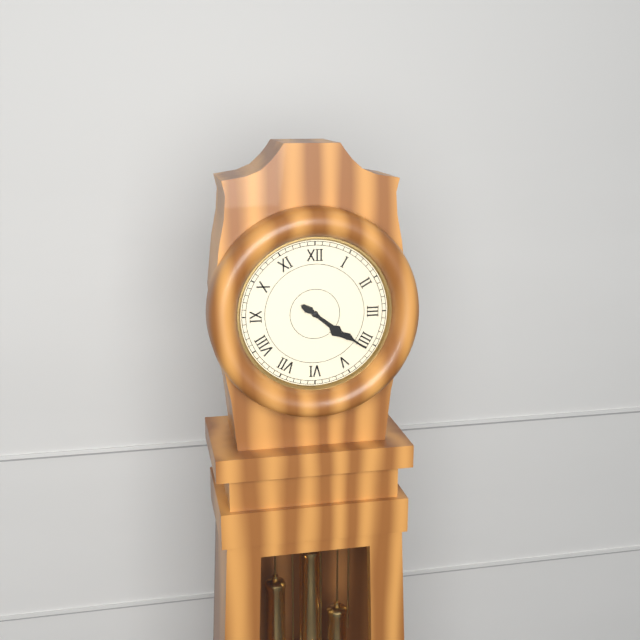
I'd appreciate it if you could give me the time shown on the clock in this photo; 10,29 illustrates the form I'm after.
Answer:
4,21
